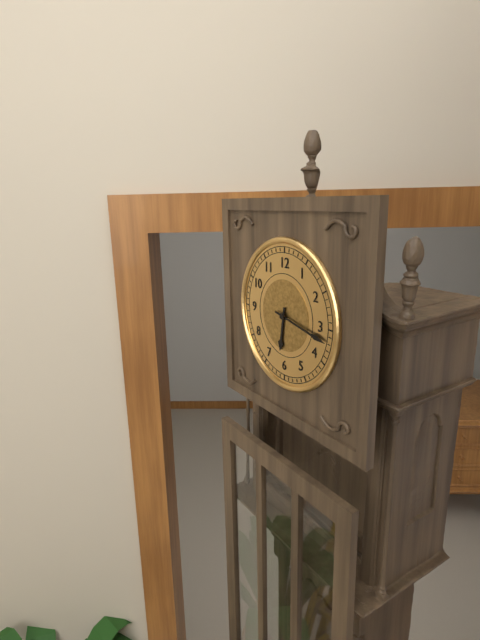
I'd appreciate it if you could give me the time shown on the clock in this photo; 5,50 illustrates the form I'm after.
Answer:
6,17
